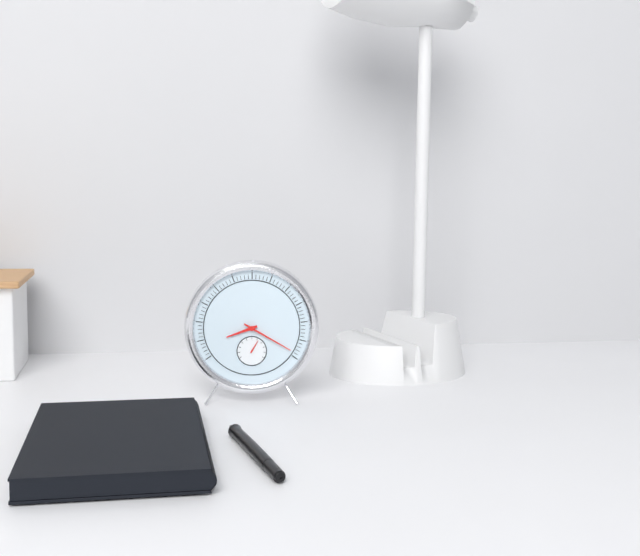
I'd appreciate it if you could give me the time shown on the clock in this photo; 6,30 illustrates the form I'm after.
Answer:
8,20
